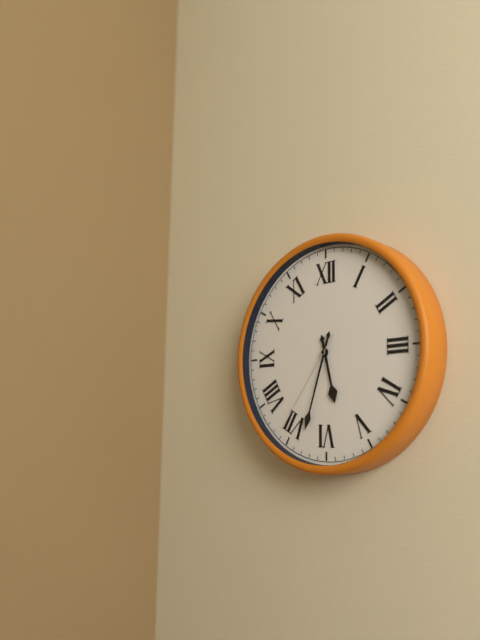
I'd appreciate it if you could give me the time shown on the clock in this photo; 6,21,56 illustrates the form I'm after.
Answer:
5,33,36
